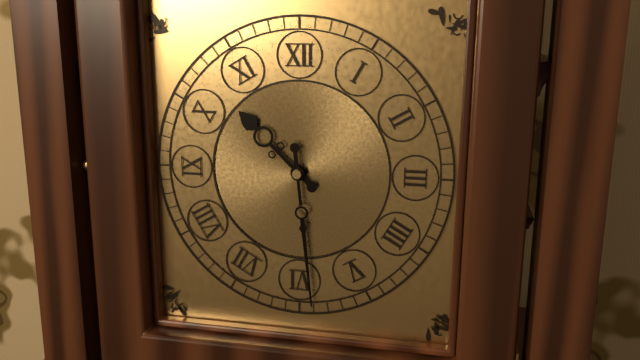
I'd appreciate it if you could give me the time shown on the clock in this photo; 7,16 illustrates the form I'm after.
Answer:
10,29
